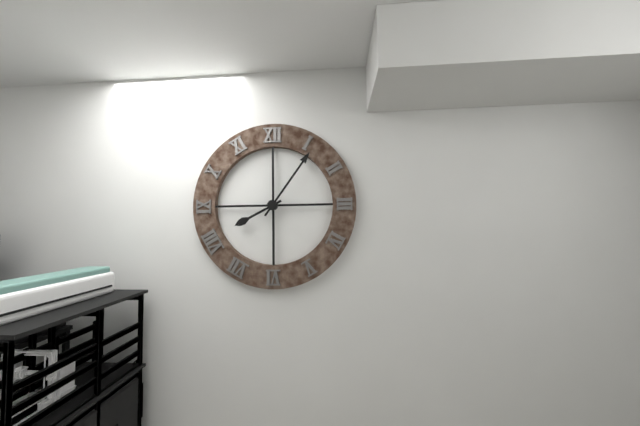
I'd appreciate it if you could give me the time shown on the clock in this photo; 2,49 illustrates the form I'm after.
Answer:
8,06
